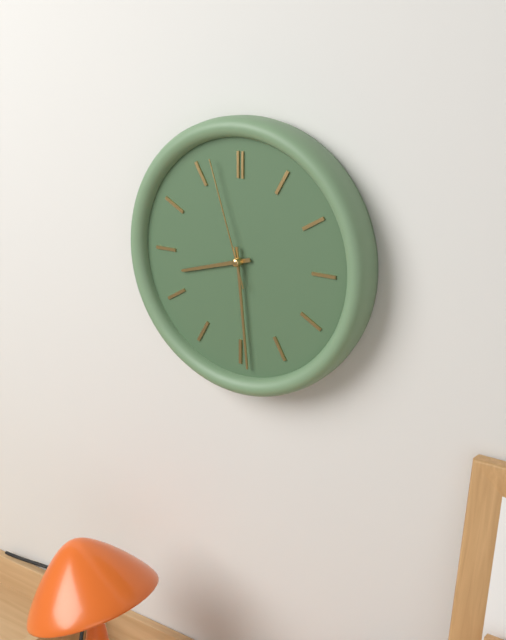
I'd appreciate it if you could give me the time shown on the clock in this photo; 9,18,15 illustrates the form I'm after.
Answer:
8,29,57
